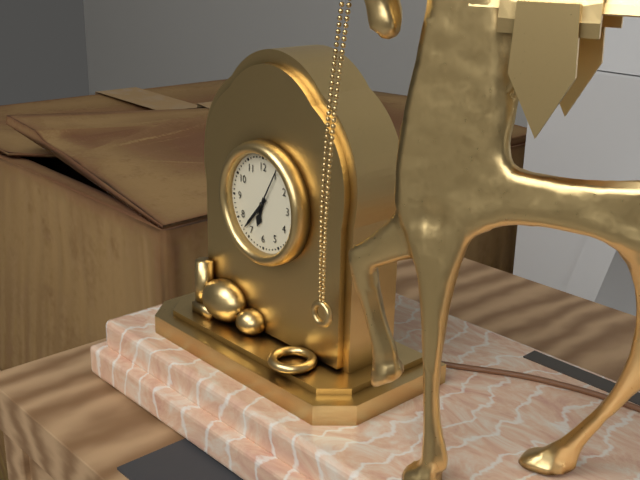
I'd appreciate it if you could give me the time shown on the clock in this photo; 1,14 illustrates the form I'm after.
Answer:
6,37
